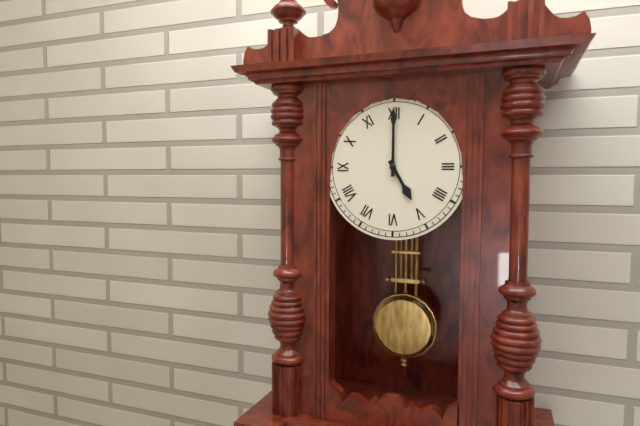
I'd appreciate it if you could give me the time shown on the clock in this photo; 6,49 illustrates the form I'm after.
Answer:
5,00
